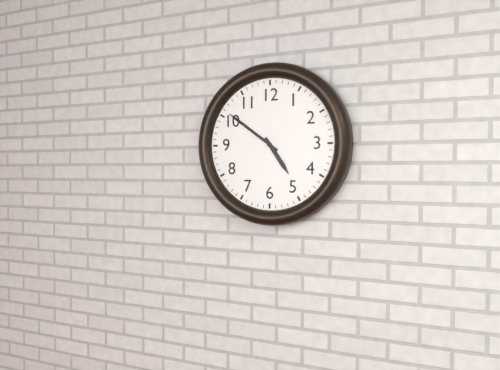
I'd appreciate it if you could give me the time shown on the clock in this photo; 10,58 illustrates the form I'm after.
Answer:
4,51
